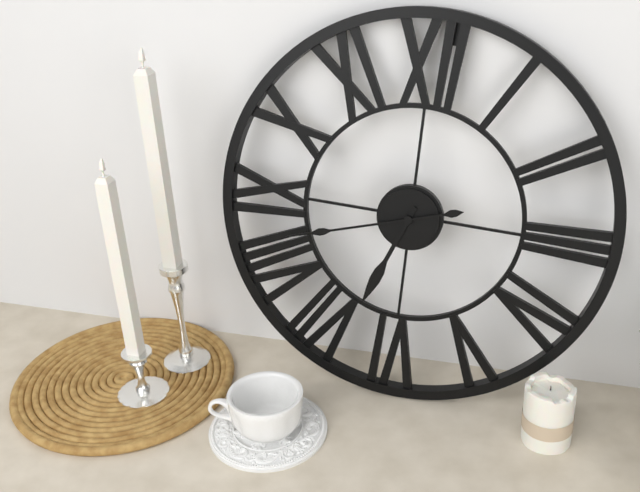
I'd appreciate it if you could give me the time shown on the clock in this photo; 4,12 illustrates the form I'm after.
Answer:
6,42
